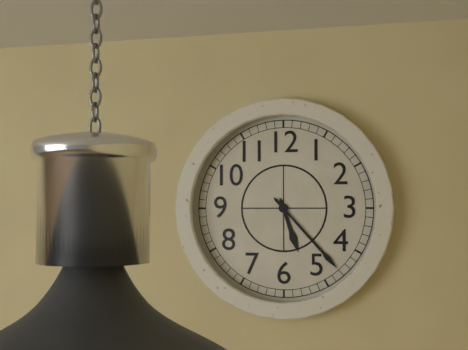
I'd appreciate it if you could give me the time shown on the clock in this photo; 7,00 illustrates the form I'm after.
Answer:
5,23
